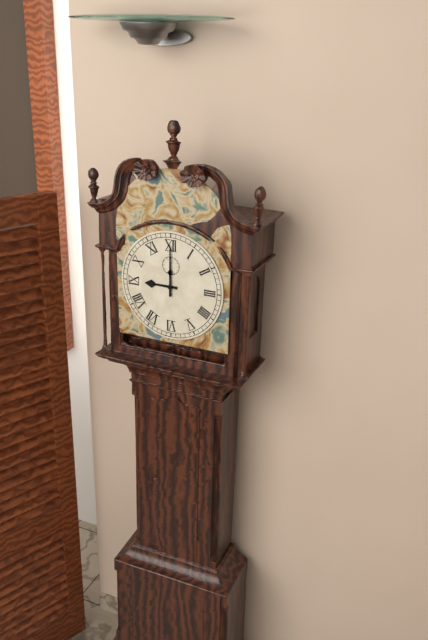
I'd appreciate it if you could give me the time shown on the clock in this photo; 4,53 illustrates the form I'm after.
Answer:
9,00
